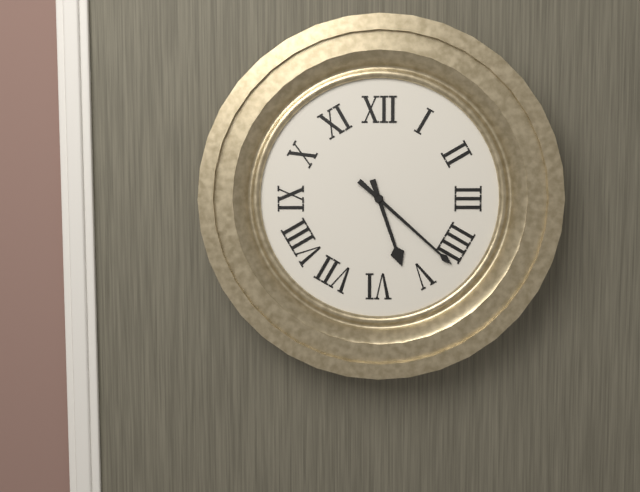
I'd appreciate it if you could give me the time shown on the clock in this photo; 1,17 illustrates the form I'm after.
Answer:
5,22
